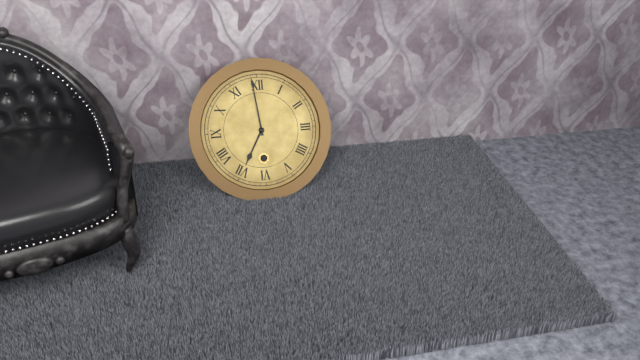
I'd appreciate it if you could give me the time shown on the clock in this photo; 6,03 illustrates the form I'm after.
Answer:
6,59
